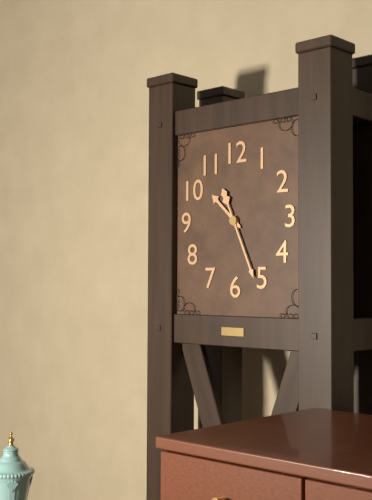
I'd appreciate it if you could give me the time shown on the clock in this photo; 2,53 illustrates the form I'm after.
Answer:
10,26
